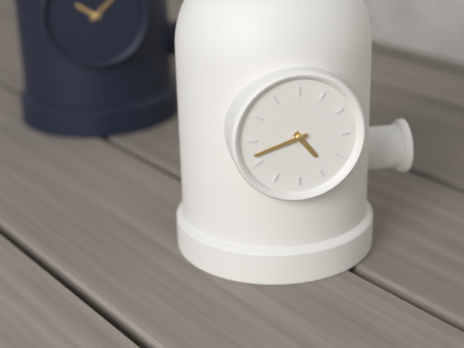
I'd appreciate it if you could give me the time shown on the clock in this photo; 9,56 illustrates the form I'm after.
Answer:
4,42
